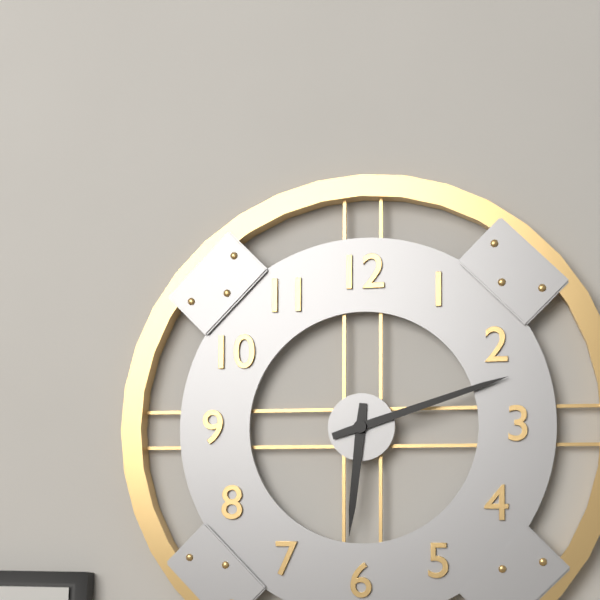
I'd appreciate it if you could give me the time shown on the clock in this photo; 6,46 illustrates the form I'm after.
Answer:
6,12
